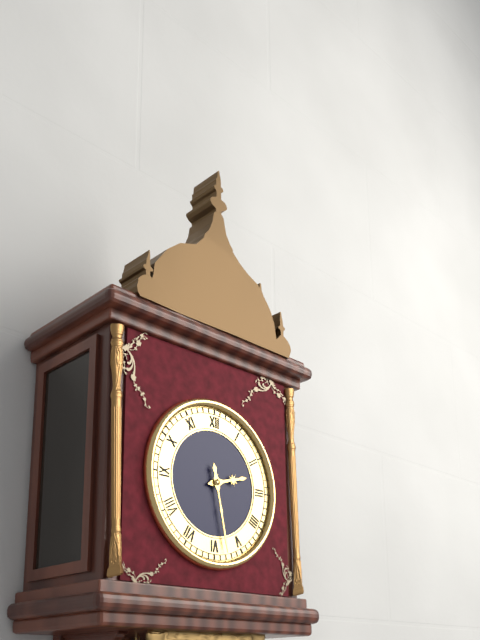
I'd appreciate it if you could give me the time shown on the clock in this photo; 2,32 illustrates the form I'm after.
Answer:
2,28
